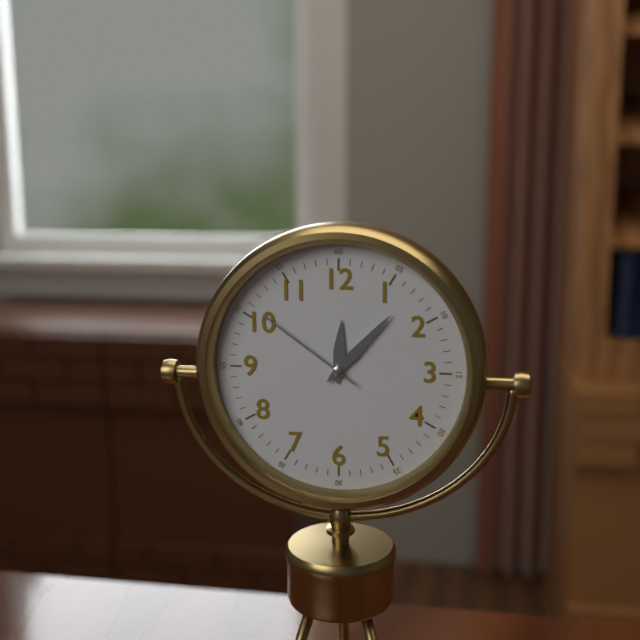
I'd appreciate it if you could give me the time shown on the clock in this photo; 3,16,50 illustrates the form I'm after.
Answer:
12,07,51
